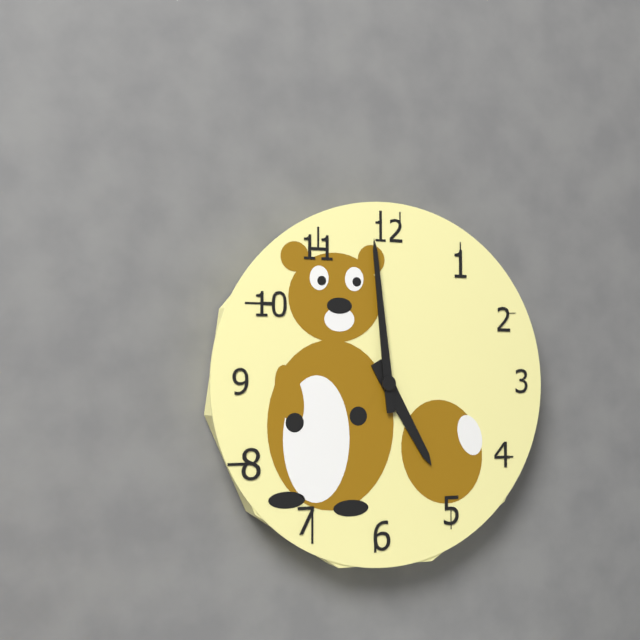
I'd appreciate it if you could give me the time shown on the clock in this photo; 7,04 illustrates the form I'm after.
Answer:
4,59
